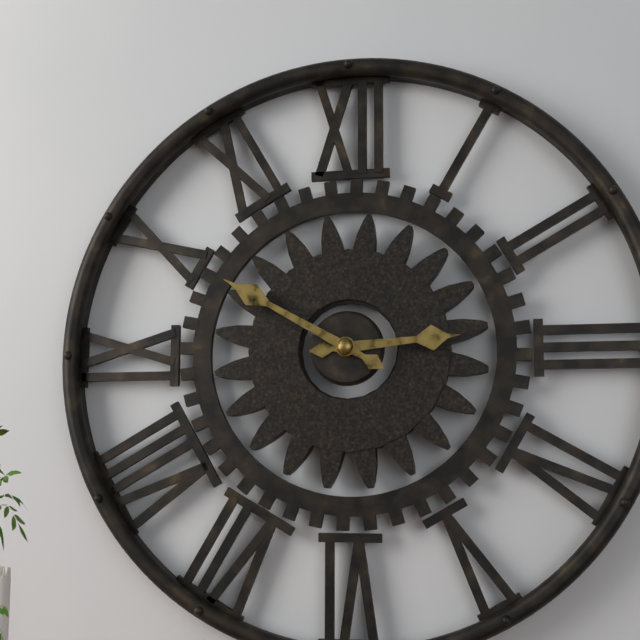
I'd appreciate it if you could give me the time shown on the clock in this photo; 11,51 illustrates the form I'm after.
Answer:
2,50
